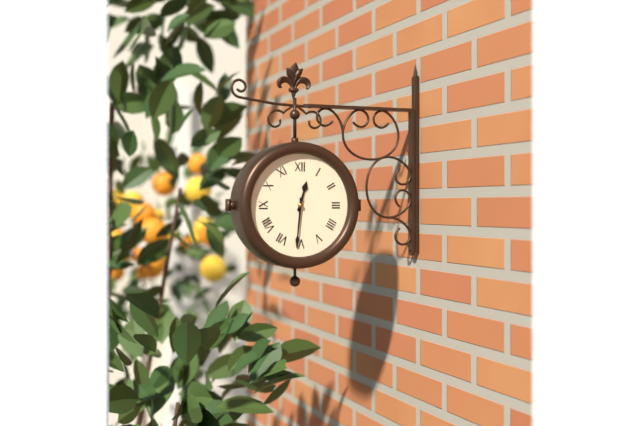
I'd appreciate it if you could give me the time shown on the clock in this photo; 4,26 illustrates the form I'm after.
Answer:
12,31
